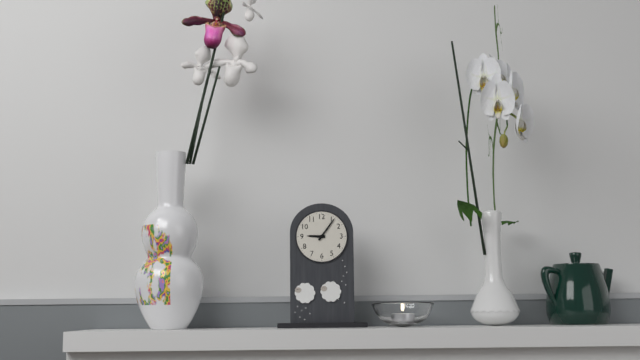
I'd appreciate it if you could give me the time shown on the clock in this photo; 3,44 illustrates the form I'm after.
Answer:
9,06
